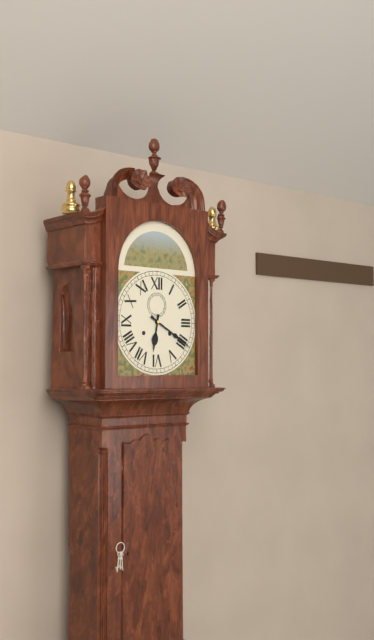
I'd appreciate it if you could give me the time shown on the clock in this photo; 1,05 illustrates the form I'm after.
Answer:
6,20
